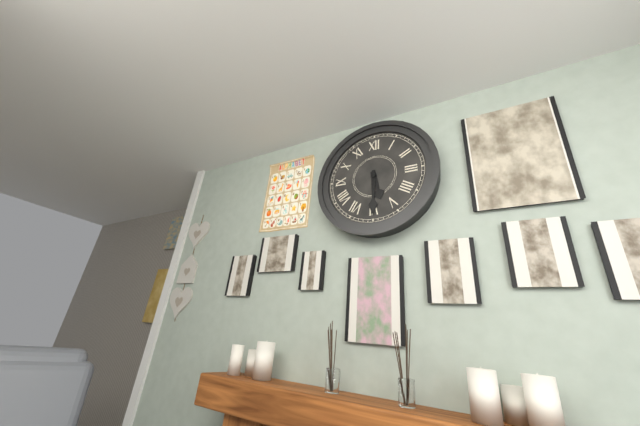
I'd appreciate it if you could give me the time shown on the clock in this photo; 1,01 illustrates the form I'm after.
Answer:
5,30
